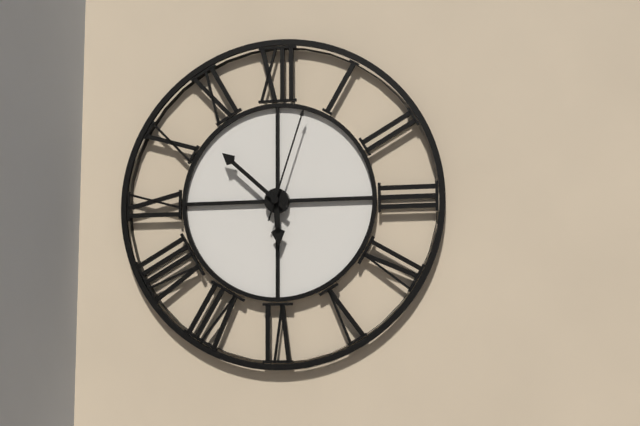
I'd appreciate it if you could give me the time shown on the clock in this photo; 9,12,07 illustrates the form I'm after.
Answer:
5,52,03
